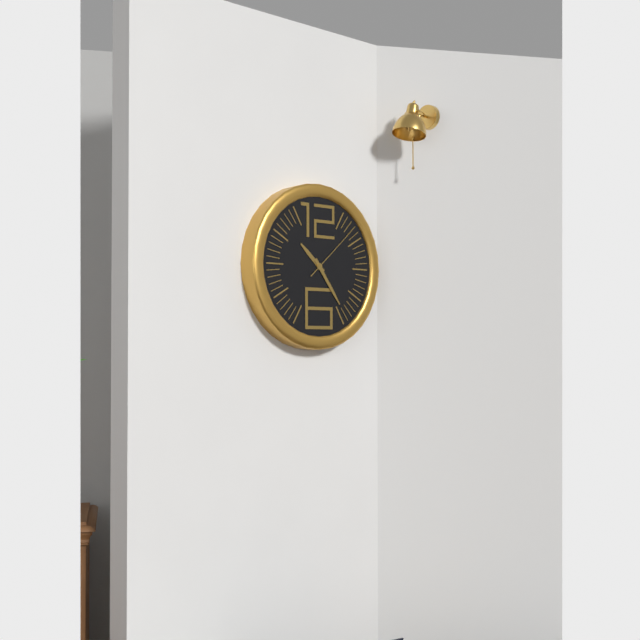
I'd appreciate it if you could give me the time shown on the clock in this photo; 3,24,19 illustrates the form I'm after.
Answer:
10,24,08
